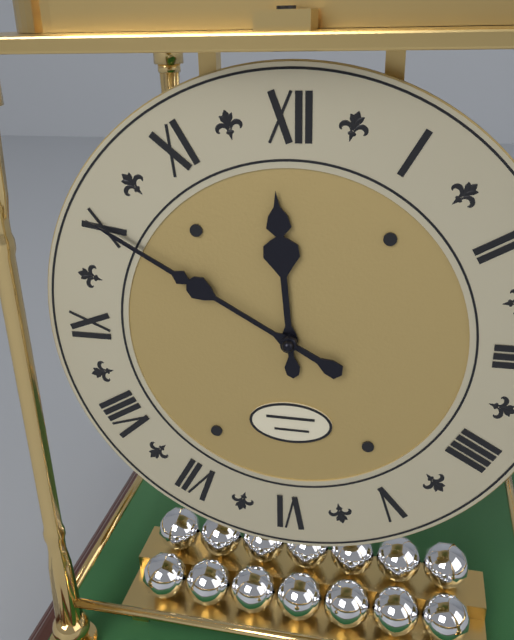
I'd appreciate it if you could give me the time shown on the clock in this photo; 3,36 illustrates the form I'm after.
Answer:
11,50
